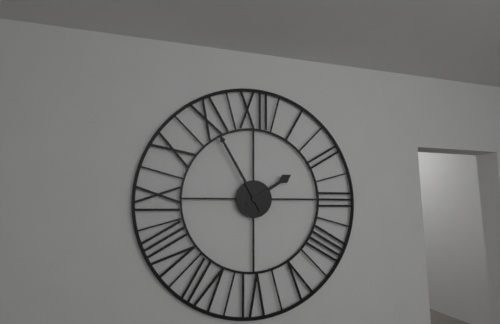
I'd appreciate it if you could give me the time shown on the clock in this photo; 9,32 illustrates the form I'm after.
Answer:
1,55
